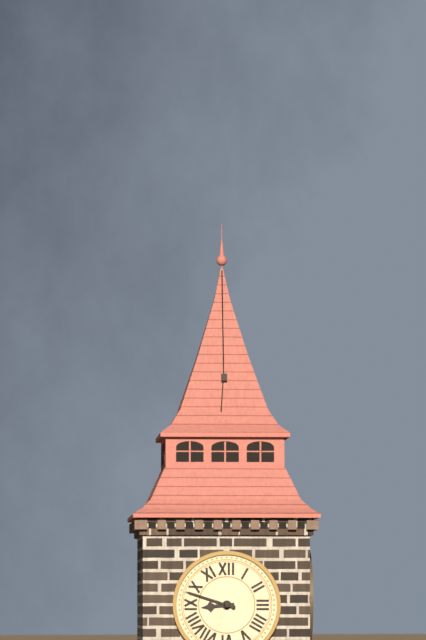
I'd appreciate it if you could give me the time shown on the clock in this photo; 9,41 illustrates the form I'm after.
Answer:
8,48
